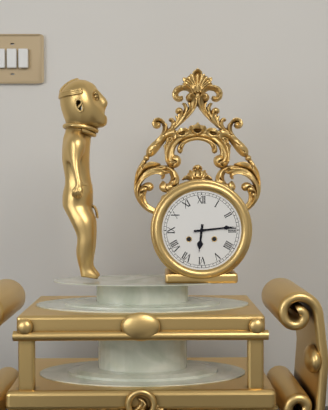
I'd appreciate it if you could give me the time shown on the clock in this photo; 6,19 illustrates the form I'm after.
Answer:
6,14
